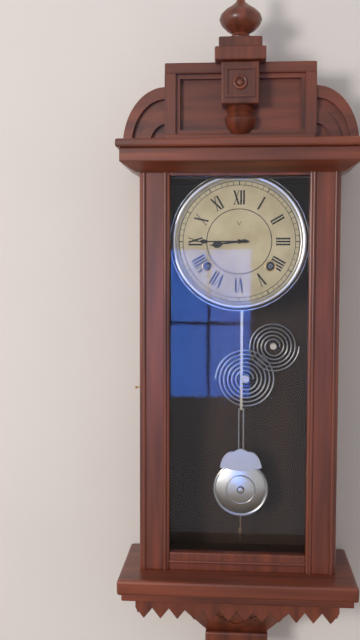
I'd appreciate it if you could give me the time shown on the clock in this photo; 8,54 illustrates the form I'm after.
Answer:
8,45
